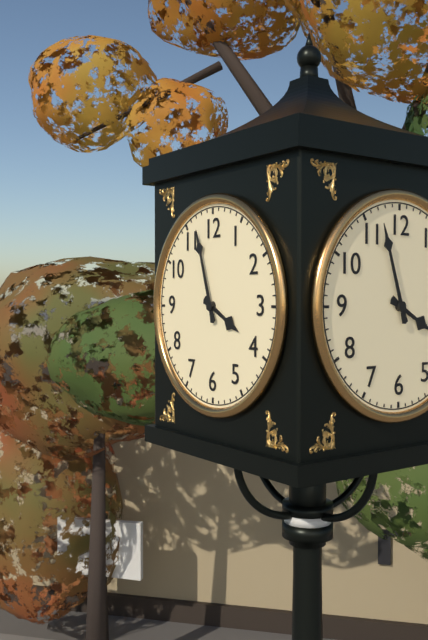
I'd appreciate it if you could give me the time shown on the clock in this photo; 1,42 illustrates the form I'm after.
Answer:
3,57
